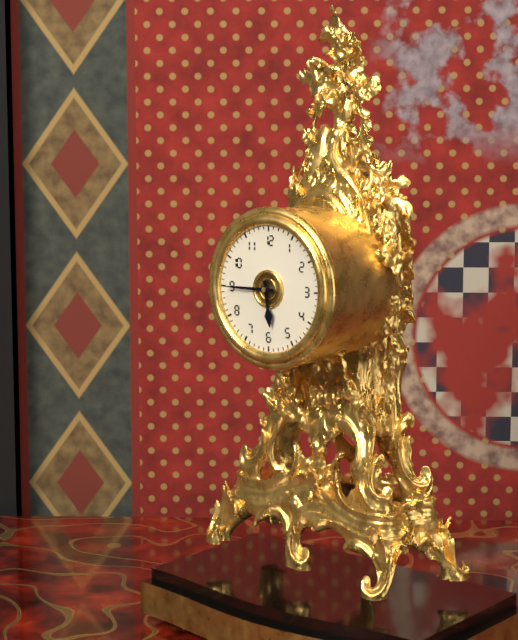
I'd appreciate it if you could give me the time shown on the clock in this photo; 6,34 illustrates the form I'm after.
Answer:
5,45
